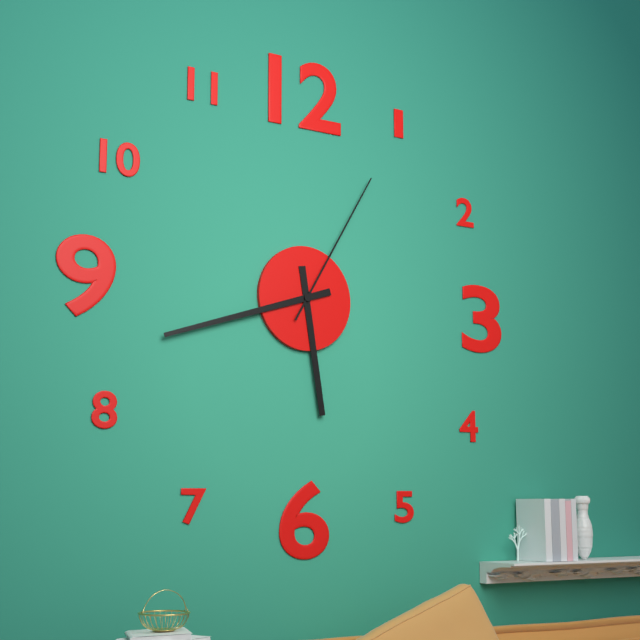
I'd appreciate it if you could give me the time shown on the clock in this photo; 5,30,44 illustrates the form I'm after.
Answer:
5,42,05
